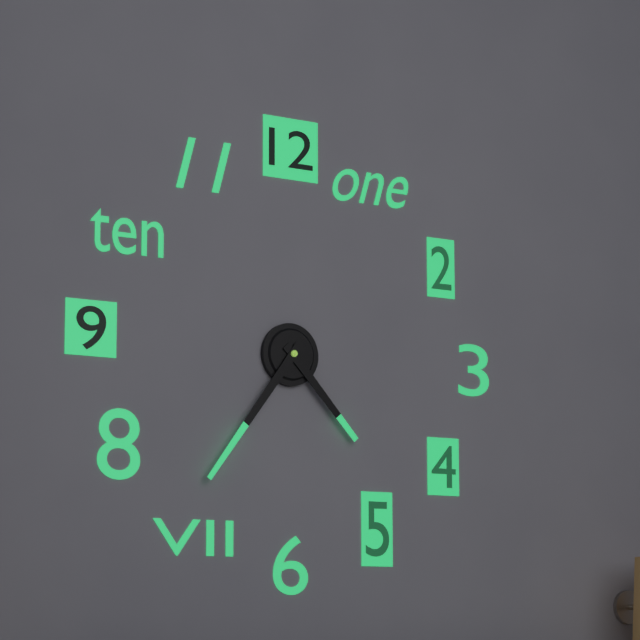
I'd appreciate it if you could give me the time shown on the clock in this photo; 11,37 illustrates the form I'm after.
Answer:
4,36
